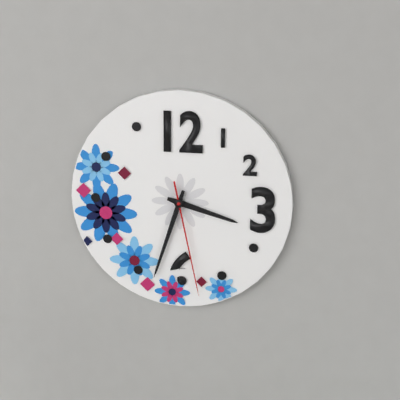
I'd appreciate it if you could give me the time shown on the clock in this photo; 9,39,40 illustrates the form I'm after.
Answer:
3,33,28
